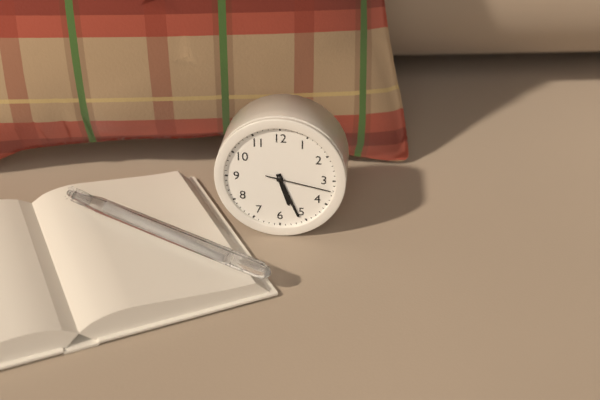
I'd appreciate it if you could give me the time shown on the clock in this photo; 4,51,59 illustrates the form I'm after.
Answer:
5,26,17
